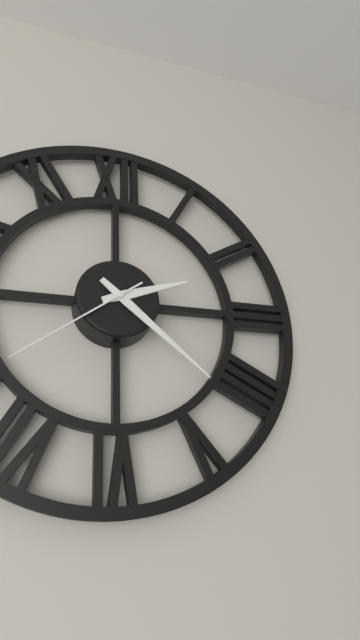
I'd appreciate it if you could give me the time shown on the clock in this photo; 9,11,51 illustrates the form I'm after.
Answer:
2,22,39
